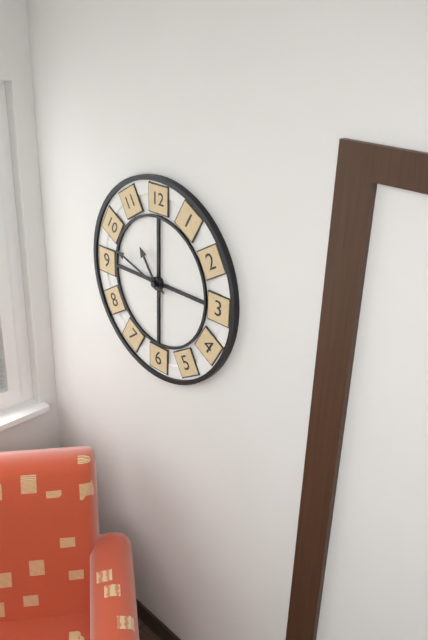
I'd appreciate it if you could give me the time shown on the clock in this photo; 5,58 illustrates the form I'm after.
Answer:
10,48
